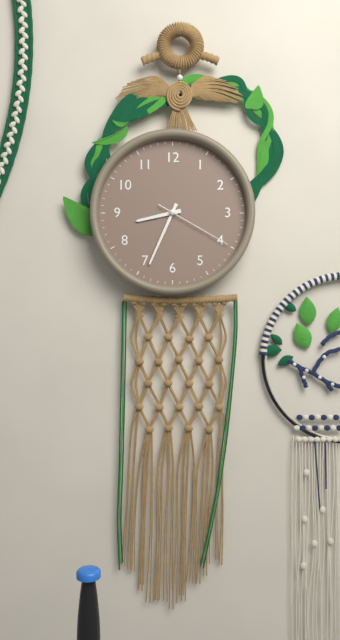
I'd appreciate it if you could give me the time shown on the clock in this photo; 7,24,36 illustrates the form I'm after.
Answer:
8,34,20
